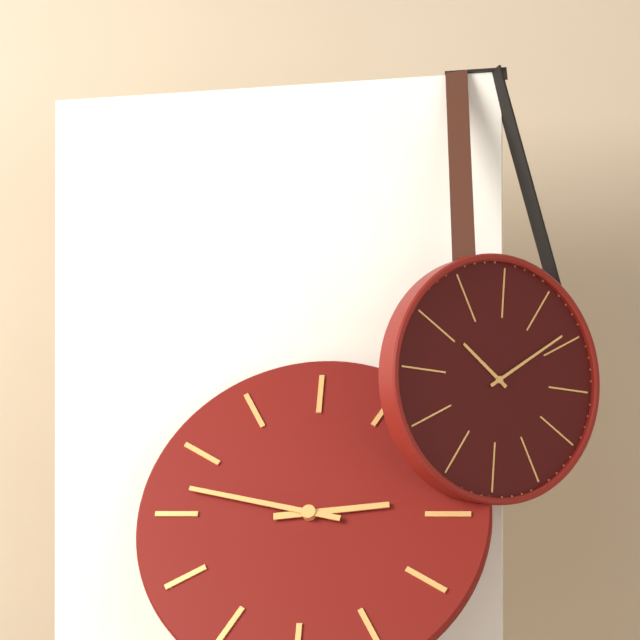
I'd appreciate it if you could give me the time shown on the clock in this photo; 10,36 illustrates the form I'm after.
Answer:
2,47
